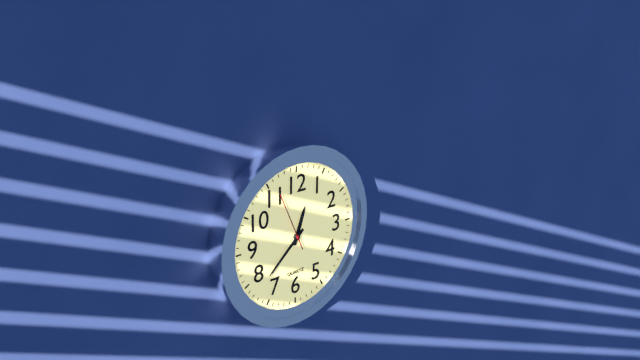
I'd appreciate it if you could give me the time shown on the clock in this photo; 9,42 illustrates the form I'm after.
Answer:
12,38
